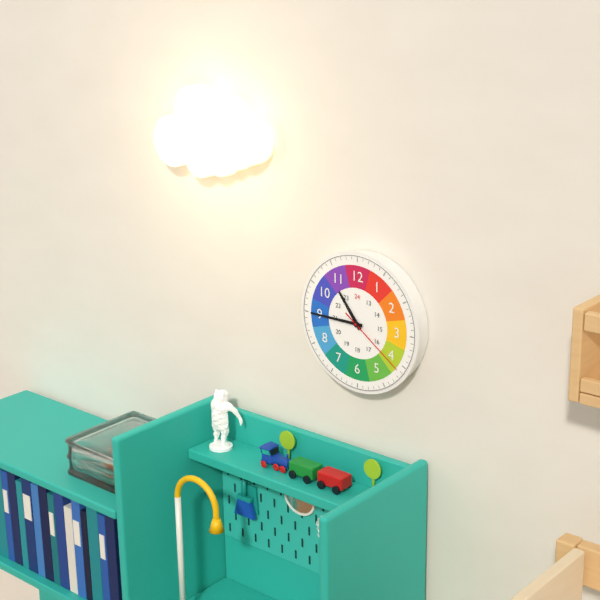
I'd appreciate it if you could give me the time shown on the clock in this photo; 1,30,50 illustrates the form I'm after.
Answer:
10,45,21
